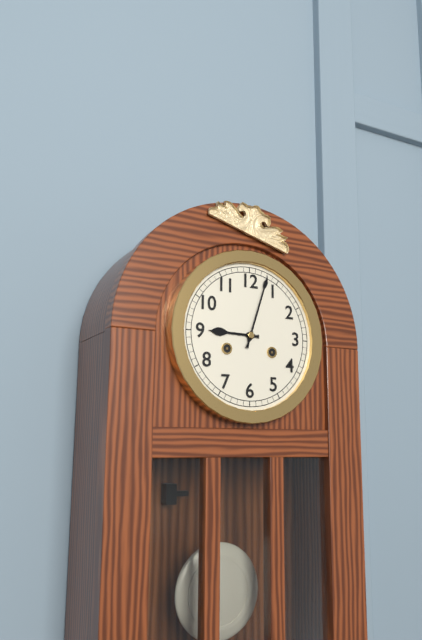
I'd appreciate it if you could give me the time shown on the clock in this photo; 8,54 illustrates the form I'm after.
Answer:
9,03
